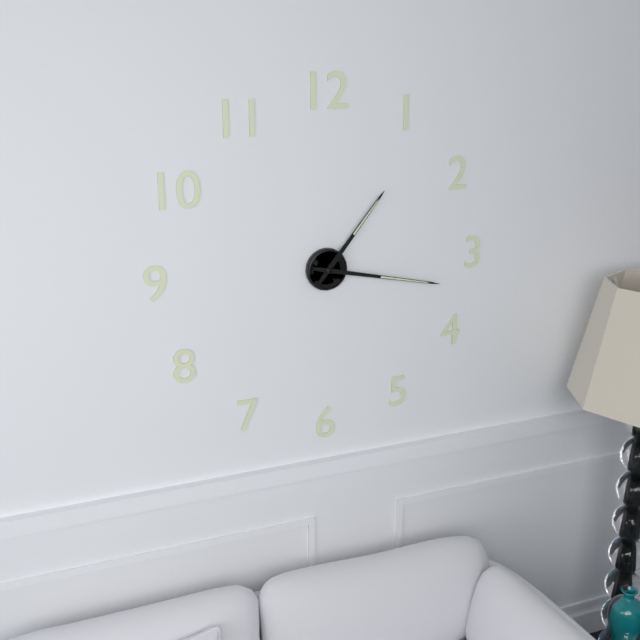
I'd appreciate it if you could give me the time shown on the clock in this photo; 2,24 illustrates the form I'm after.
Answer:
1,17
